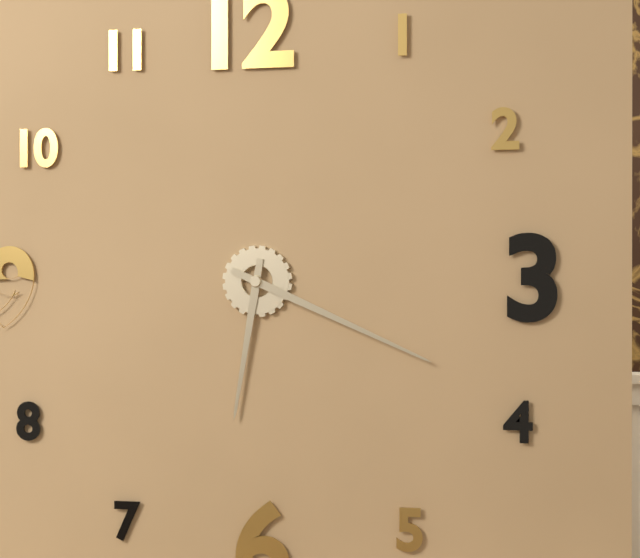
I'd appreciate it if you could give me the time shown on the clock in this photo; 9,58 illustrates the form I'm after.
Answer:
6,19
